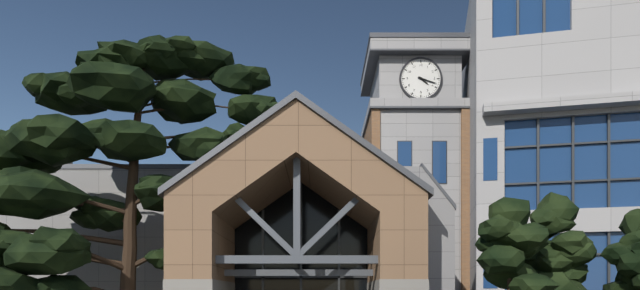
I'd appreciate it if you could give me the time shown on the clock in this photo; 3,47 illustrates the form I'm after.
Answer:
4,18
